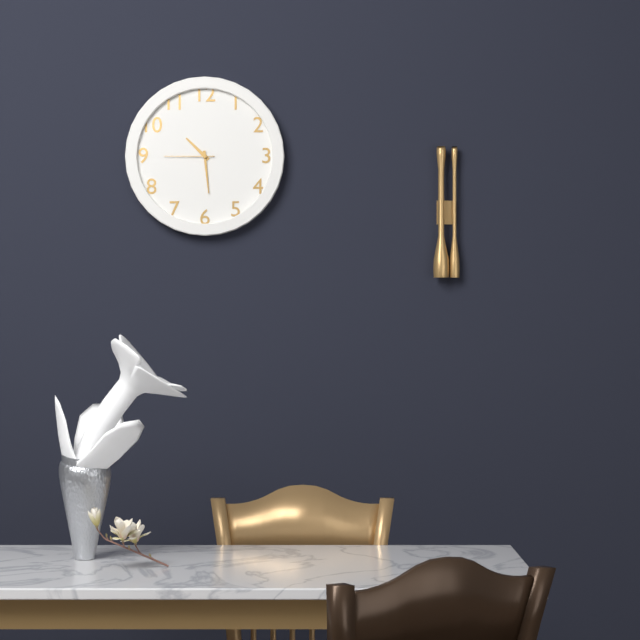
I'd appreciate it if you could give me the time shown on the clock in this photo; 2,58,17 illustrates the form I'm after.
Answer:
10,29,45
